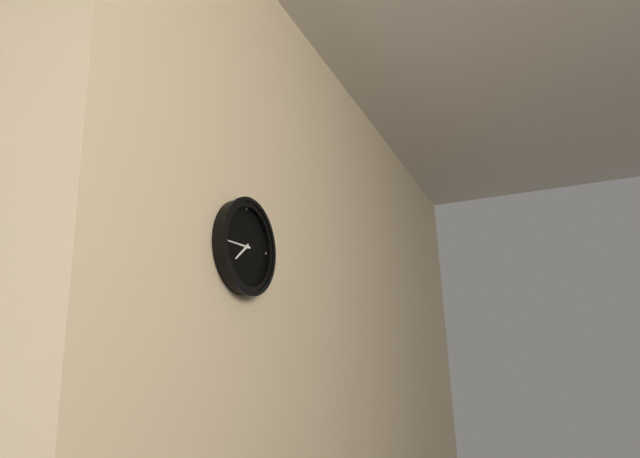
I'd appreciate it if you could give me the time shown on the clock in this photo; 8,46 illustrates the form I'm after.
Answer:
7,45
